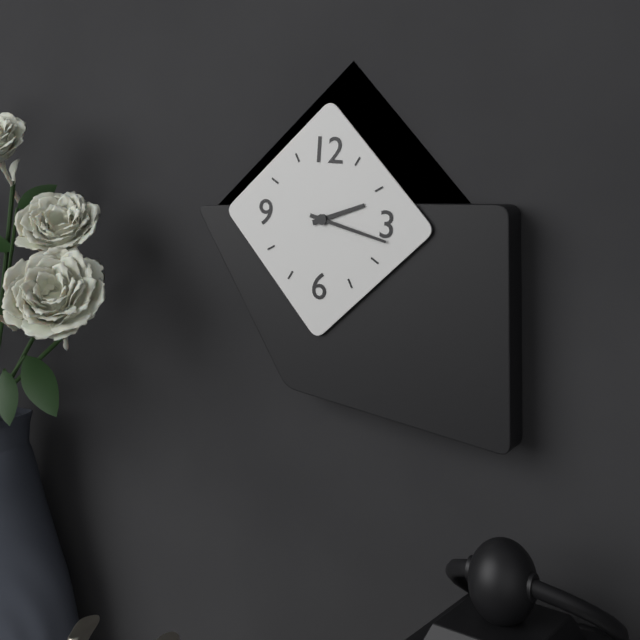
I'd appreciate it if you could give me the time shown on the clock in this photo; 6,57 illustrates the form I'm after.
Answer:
2,17
